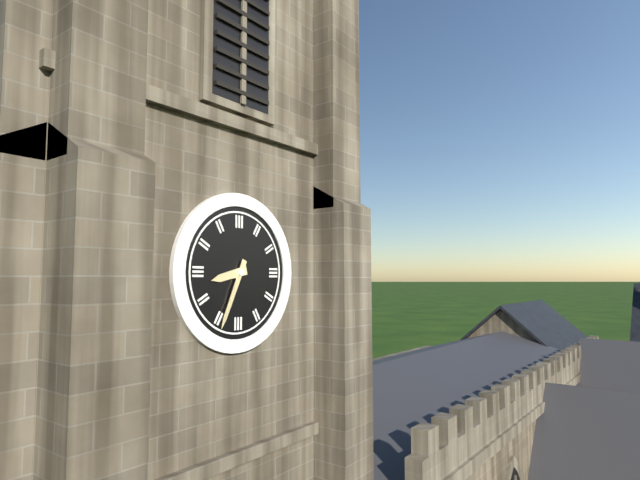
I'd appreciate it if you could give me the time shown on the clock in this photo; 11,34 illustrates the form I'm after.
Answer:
8,34
